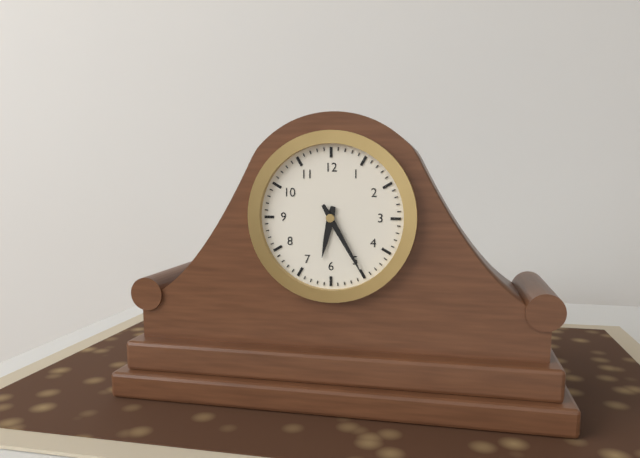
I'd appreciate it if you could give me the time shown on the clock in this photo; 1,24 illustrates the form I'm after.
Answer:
6,25
